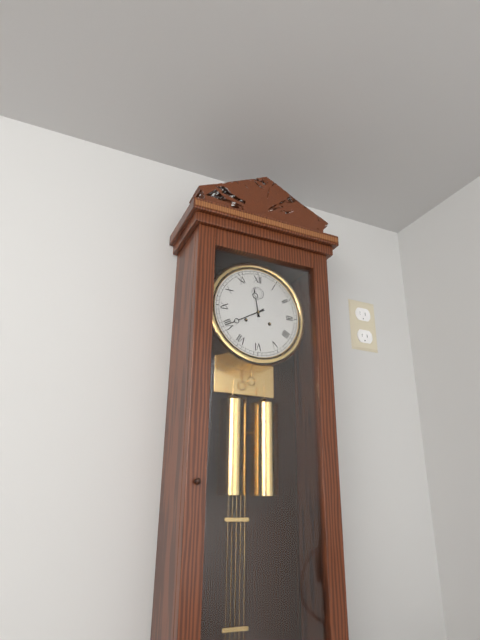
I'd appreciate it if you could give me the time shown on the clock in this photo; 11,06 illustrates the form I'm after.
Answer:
11,40
